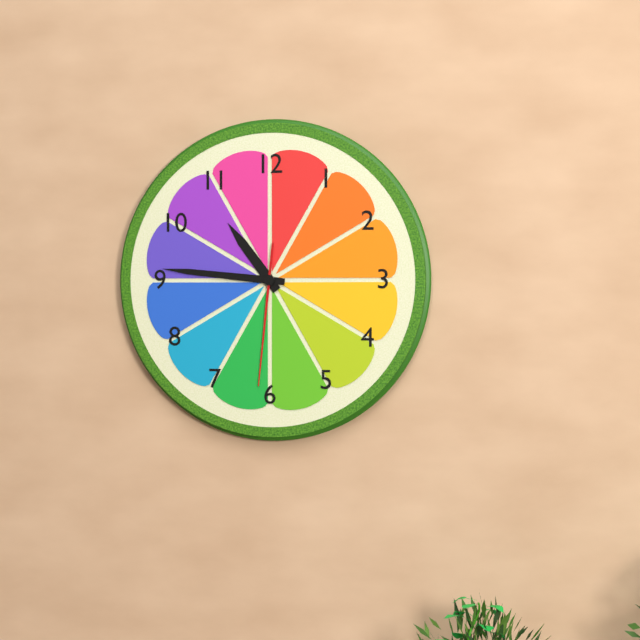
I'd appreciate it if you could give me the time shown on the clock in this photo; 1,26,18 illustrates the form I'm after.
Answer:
10,46,31
